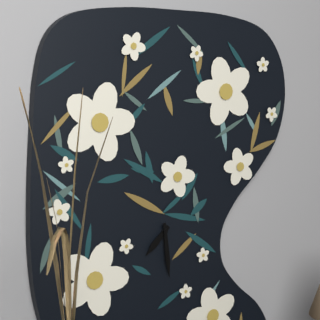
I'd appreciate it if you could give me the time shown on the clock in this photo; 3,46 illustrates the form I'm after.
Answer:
7,29
